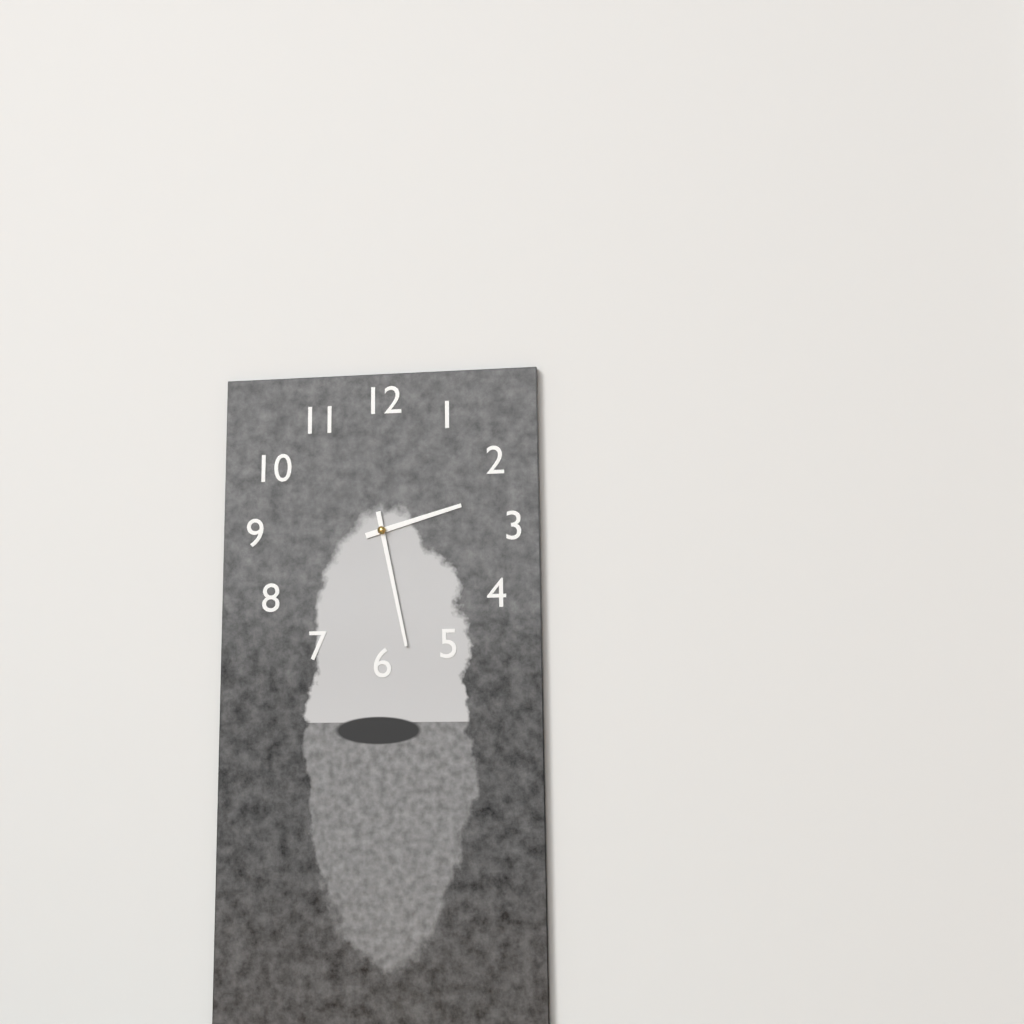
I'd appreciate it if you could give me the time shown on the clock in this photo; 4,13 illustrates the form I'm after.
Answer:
2,28
